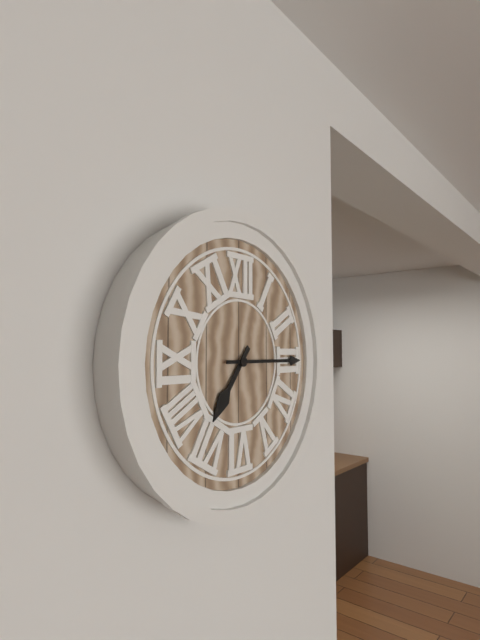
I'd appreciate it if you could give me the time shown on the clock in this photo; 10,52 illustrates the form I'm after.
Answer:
7,15
